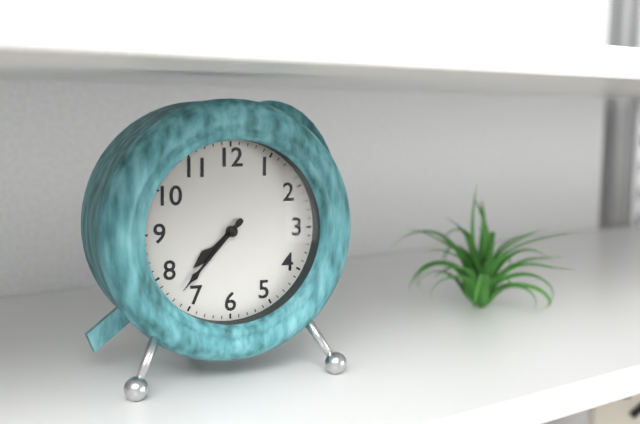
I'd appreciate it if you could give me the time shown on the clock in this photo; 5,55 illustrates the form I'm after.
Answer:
7,37
